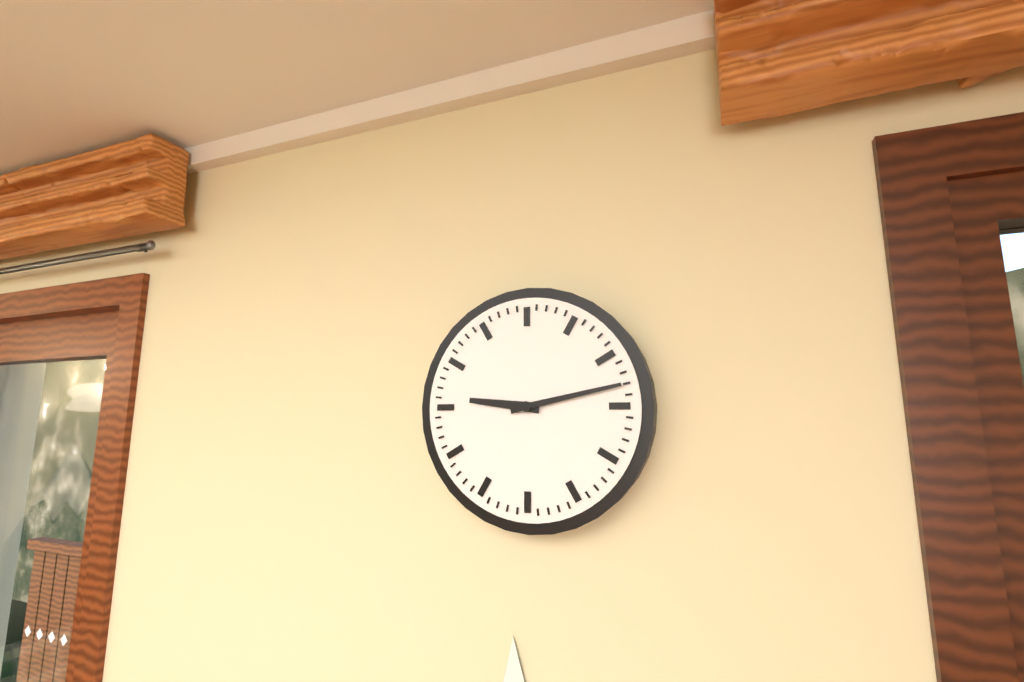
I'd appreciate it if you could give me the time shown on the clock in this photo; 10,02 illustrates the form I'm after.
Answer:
9,13
